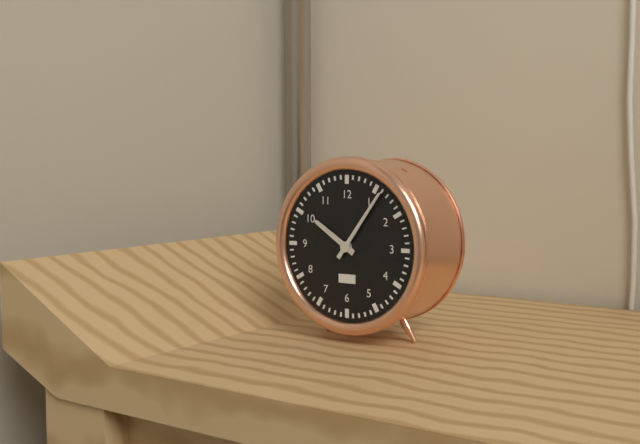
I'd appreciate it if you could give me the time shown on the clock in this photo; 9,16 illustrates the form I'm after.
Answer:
10,06
